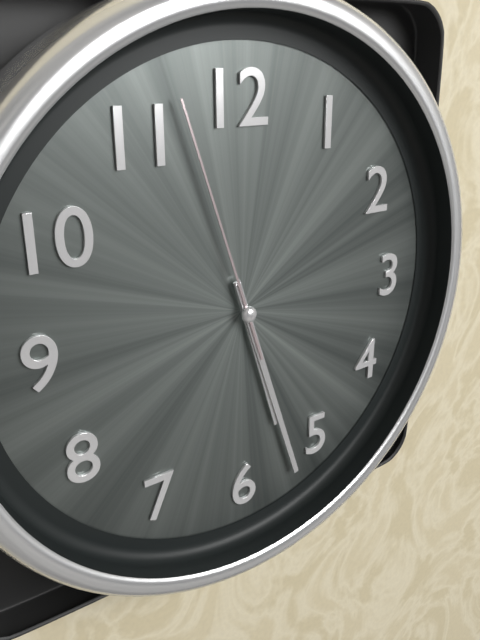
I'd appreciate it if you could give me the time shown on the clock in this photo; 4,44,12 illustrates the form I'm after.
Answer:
5,27,57
